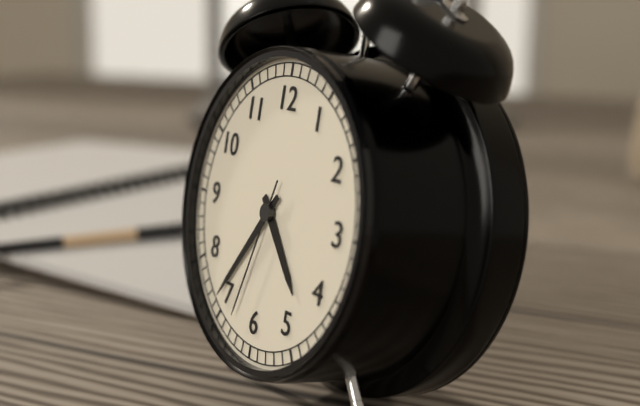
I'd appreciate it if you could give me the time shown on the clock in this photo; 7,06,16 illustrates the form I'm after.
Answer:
4,36,33
